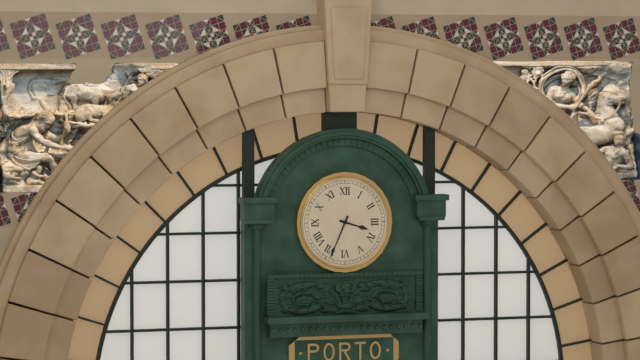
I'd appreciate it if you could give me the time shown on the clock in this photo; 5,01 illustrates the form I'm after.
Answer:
3,34
